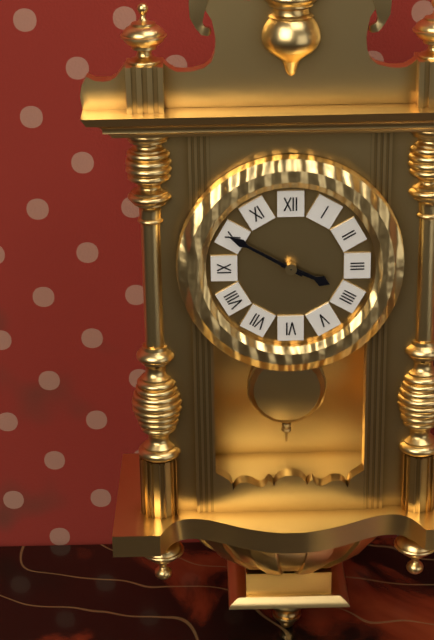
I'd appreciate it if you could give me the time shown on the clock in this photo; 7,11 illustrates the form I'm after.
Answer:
3,50
